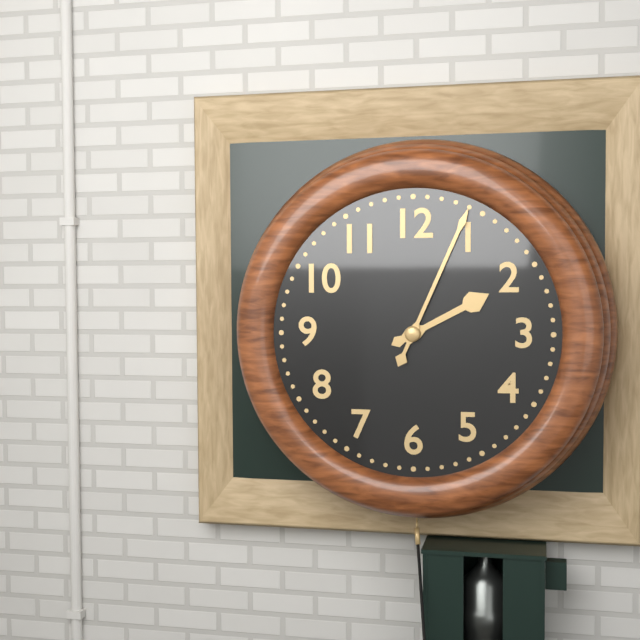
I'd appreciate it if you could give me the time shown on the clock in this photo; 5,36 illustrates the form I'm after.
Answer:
2,04
